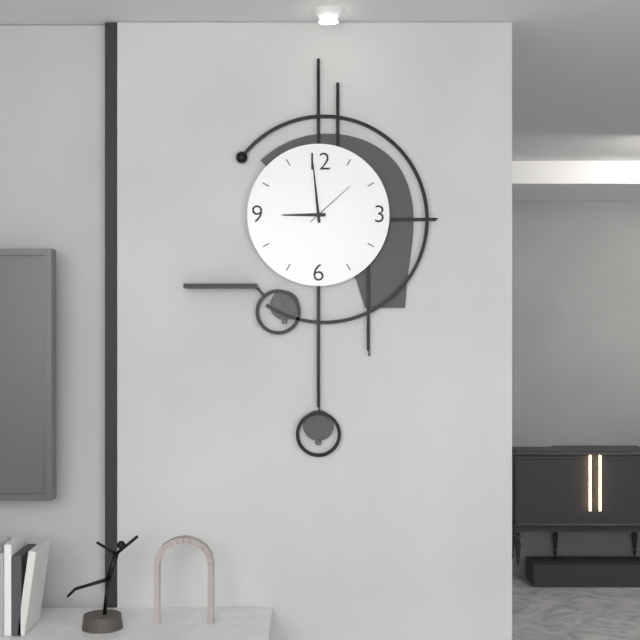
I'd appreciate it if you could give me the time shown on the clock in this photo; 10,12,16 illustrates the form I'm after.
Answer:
8,59,08
